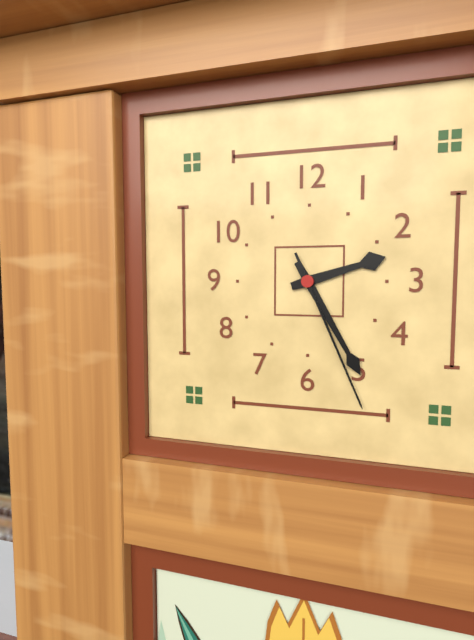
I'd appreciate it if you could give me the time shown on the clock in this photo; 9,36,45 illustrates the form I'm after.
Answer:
2,25,26
